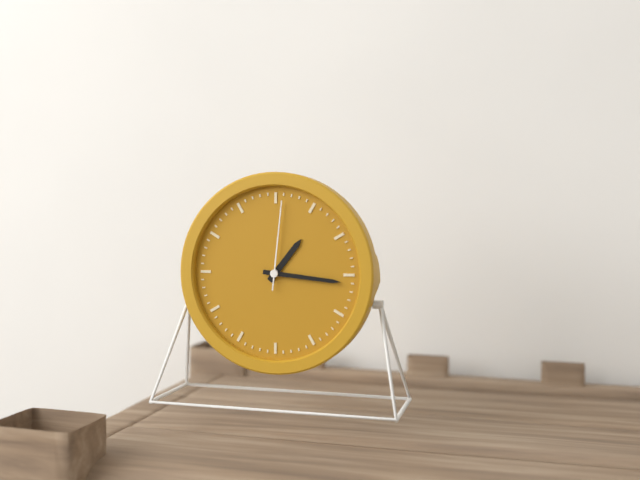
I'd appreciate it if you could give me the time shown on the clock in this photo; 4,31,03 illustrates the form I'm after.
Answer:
1,16,01
